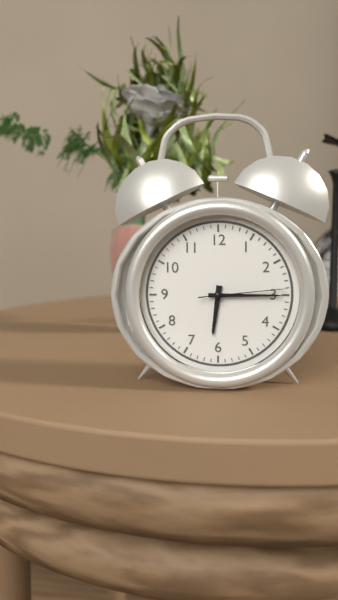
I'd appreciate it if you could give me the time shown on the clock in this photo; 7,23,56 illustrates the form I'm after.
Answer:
6,15,14
